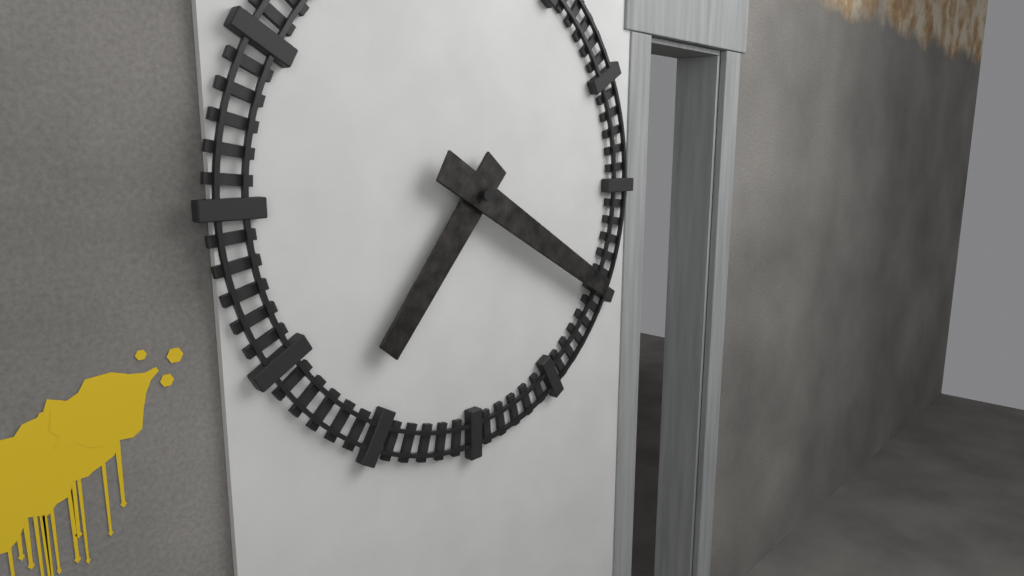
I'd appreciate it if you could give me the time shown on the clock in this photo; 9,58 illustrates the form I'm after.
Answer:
7,20
